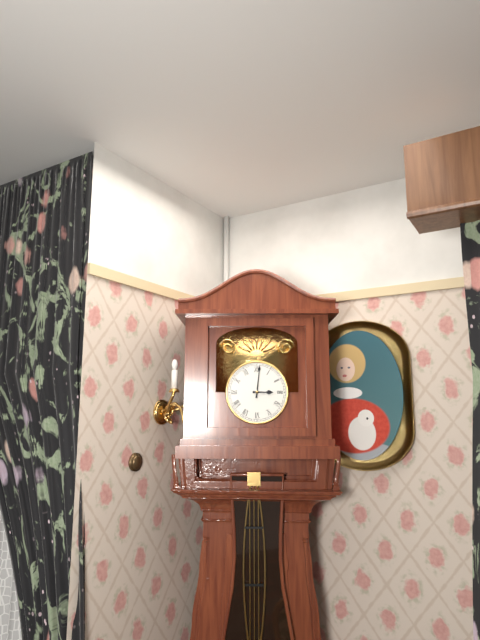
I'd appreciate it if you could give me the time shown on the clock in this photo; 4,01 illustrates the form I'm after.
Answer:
3,01
